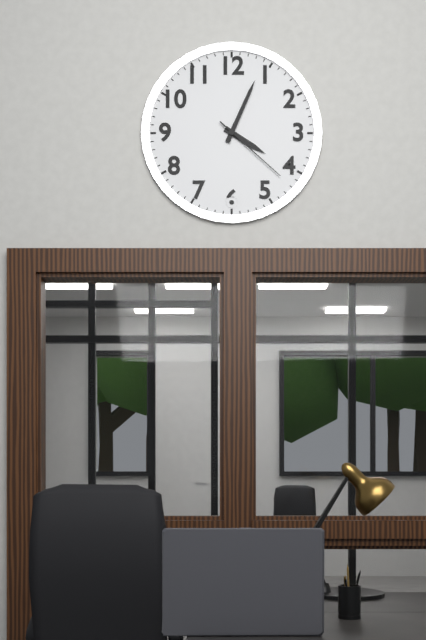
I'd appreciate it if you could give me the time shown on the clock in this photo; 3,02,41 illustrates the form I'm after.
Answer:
4,04,22
